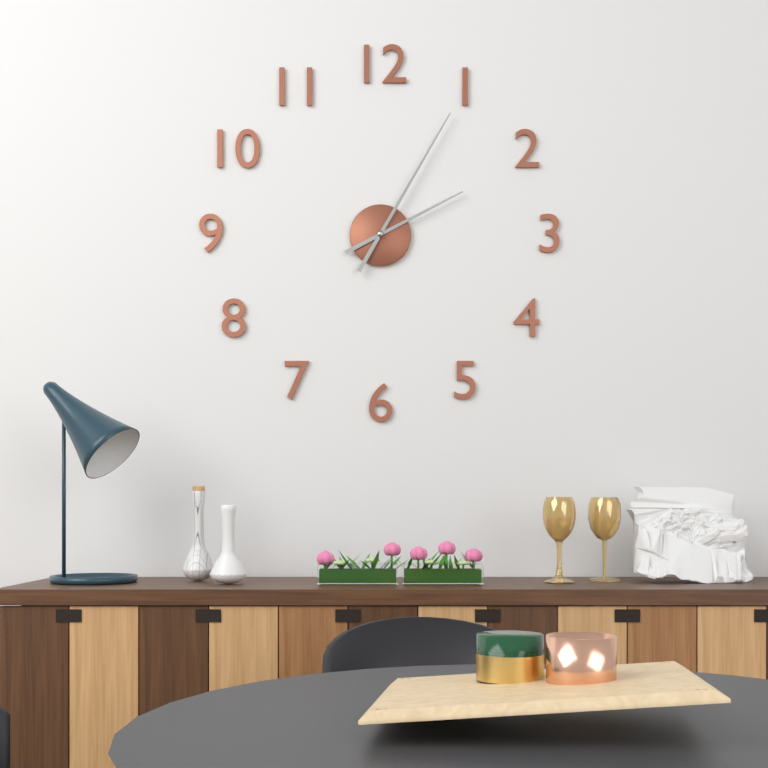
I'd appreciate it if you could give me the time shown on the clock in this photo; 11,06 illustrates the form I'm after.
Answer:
2,05
